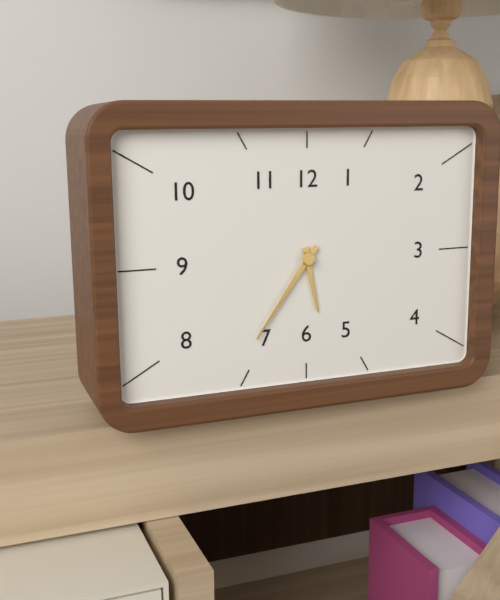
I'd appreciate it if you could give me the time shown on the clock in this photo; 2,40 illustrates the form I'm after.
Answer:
5,36
